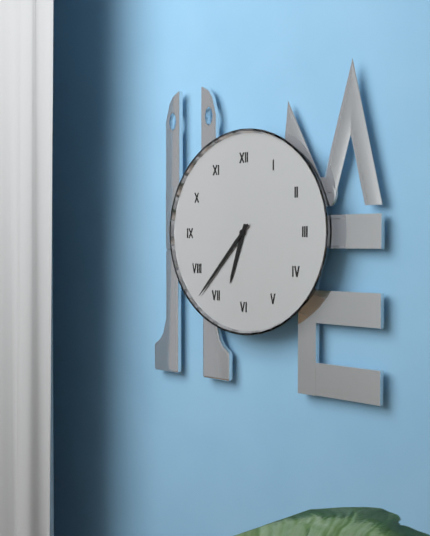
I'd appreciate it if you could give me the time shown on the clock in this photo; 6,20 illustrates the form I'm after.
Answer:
6,37
